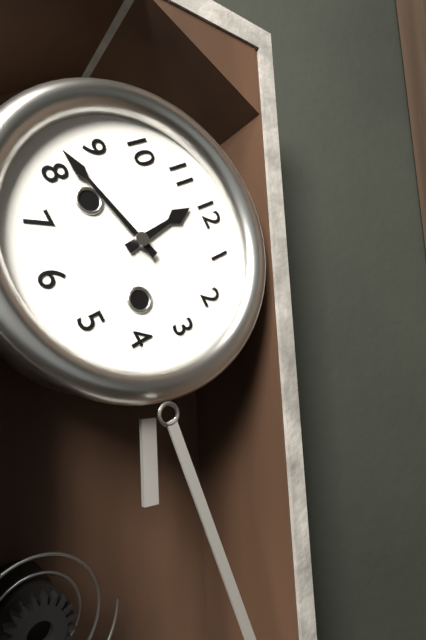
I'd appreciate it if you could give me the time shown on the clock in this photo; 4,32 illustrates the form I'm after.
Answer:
11,42
